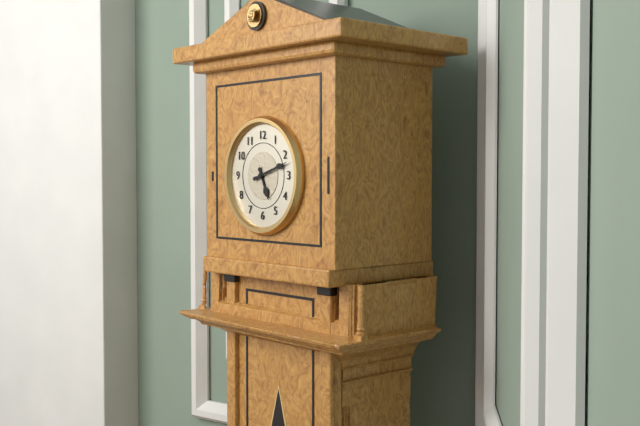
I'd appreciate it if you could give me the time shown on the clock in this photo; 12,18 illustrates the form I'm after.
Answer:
5,12
